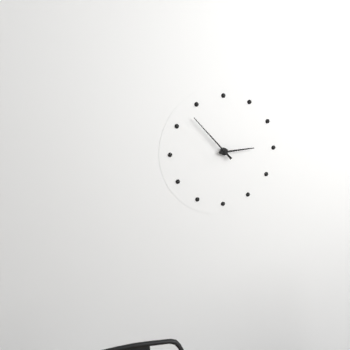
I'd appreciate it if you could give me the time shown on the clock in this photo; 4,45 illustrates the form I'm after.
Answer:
2,53
